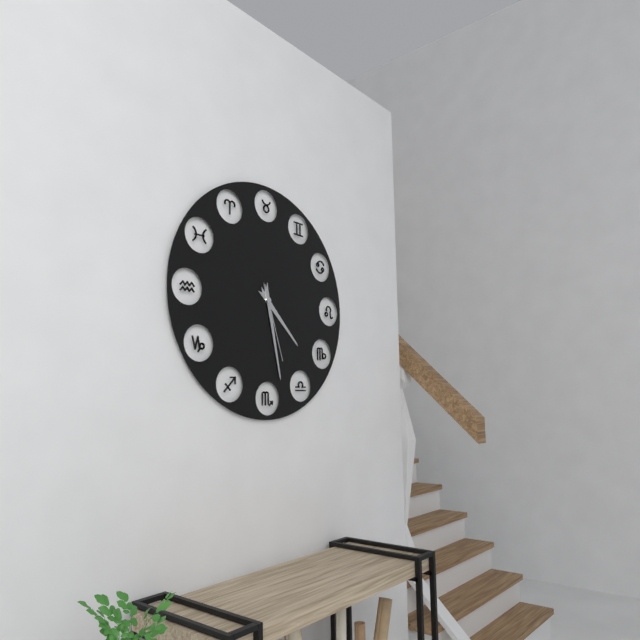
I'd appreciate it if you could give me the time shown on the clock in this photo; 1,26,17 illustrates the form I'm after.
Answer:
4,28,27
